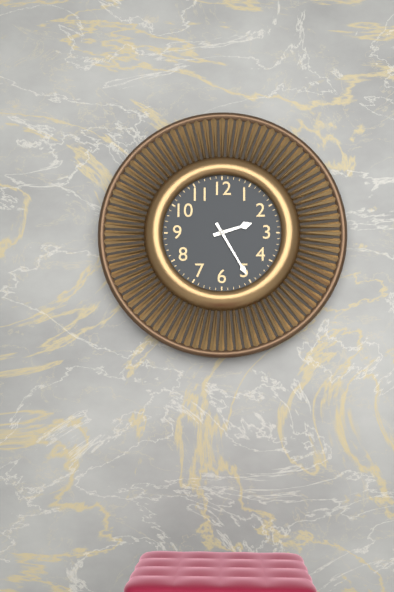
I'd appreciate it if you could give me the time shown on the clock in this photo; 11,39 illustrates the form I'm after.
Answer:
2,25
